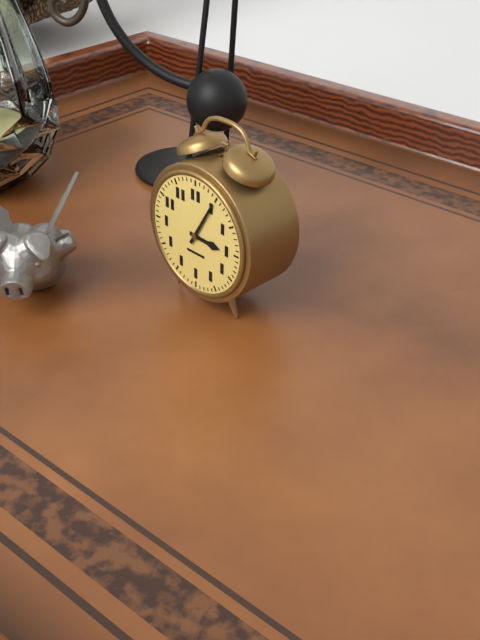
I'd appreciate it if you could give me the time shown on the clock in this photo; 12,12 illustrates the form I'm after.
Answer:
3,05
